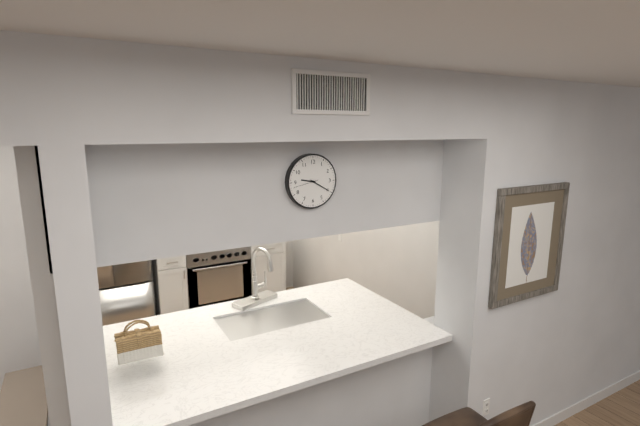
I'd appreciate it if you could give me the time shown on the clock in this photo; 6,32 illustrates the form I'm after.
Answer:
9,20
